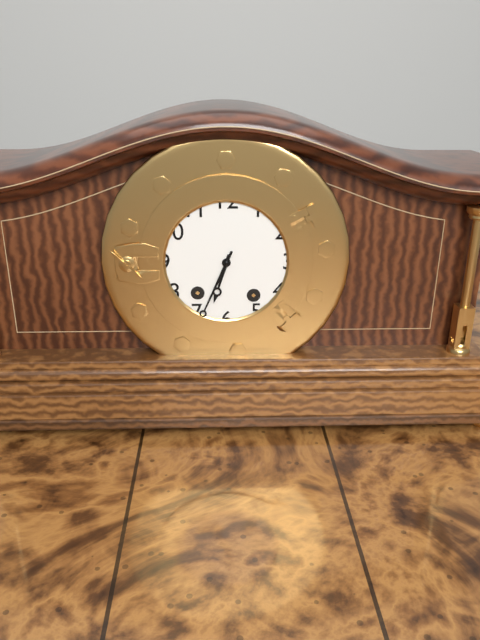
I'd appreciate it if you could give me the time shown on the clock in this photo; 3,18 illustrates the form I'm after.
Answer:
6,34
